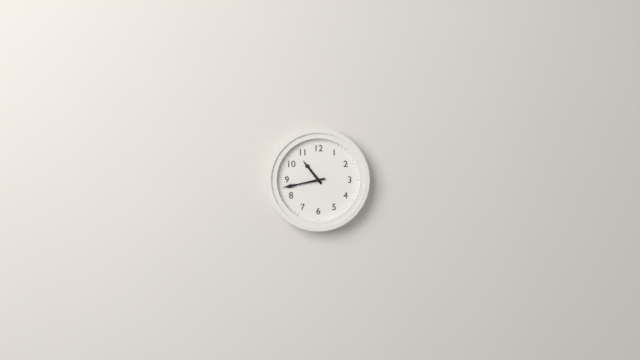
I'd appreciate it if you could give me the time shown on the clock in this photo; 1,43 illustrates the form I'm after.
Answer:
10,43
